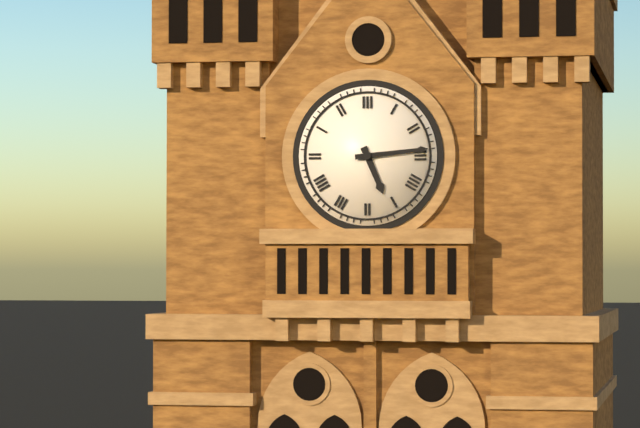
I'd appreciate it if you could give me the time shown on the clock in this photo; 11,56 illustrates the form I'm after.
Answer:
5,14
